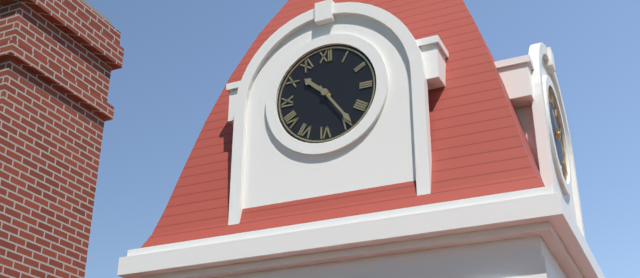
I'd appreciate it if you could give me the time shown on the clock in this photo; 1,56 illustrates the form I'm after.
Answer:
10,24
